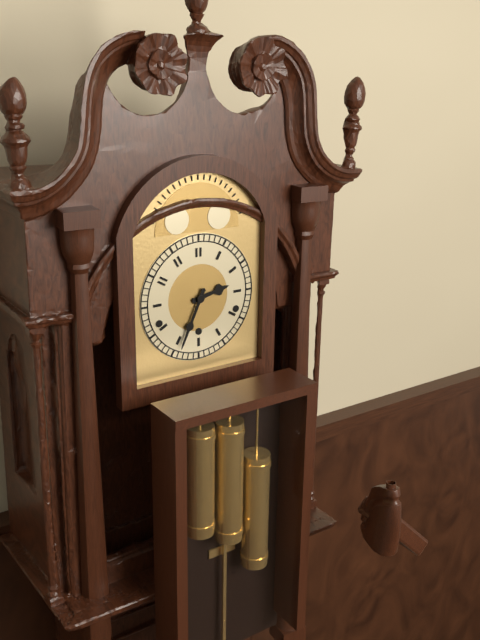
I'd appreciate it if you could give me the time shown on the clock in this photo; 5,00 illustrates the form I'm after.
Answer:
2,34
